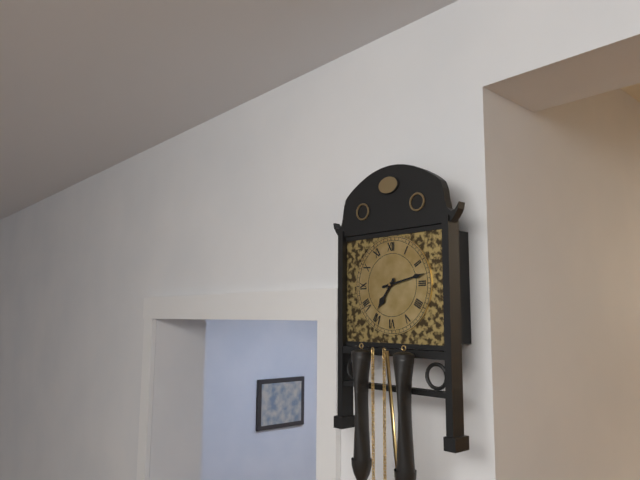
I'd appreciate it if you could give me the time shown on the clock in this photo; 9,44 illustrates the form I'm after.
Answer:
7,13
